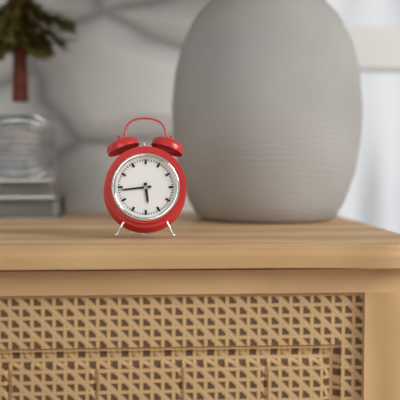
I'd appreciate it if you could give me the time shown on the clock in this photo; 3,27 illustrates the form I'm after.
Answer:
5,44
